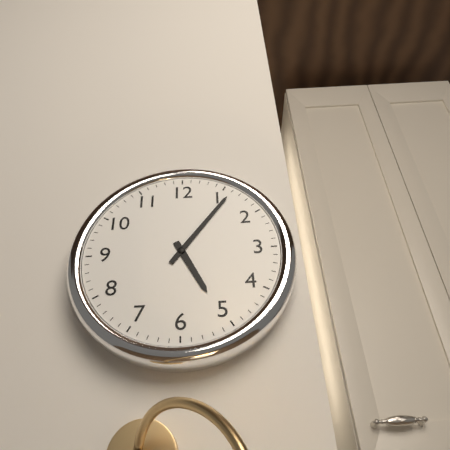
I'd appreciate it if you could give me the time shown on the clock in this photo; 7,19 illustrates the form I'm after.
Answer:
5,06
